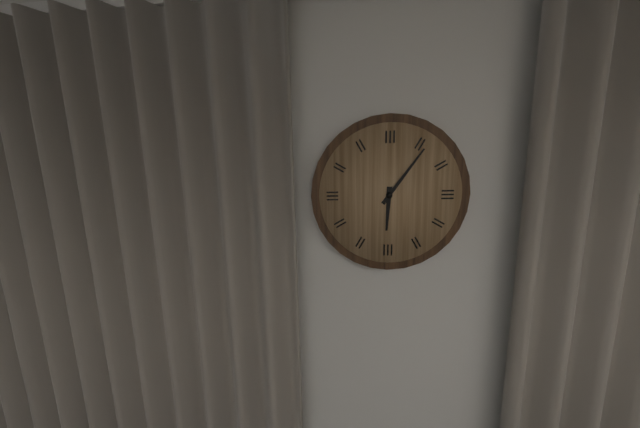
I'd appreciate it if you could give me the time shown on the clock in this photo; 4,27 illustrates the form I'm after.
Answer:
6,06
